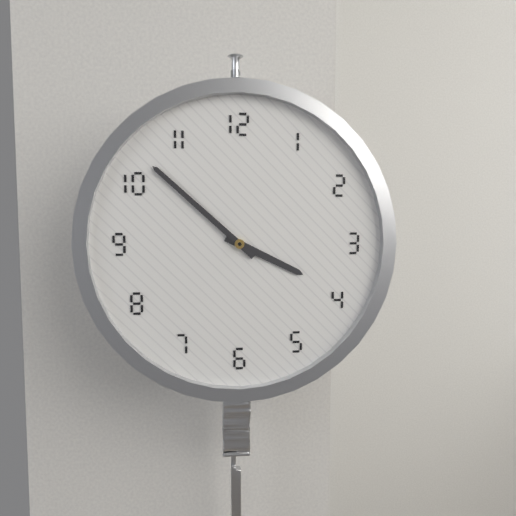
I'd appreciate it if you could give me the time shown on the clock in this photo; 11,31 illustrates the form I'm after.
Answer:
3,52
